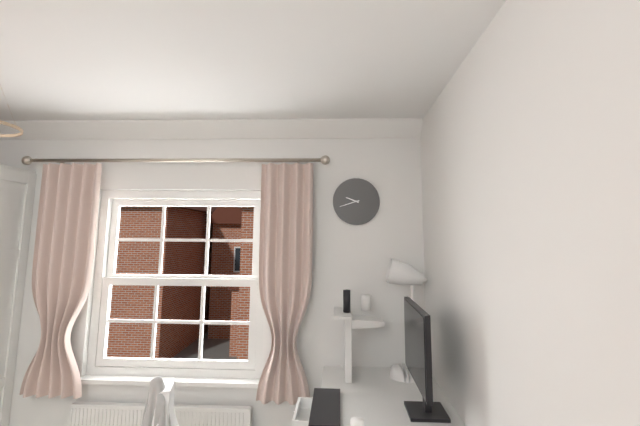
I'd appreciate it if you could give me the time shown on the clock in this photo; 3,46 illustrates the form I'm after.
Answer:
9,42
